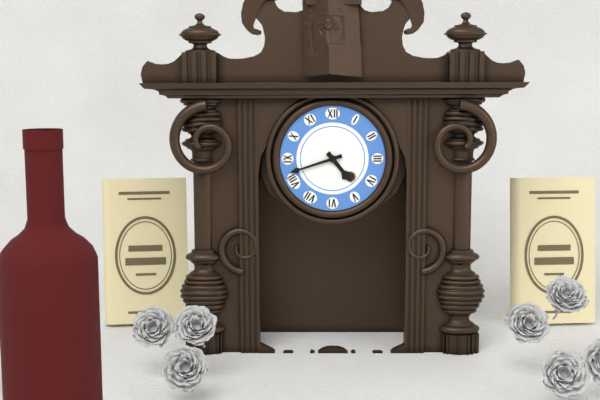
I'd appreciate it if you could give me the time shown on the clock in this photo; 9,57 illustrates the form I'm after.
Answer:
4,42
